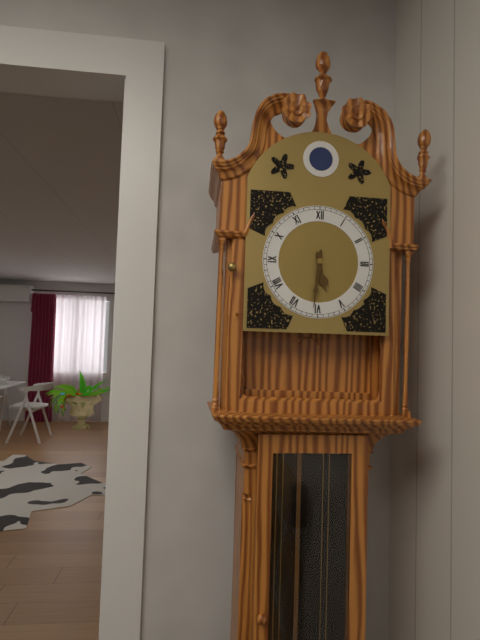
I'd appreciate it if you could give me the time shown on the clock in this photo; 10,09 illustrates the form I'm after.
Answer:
5,31
